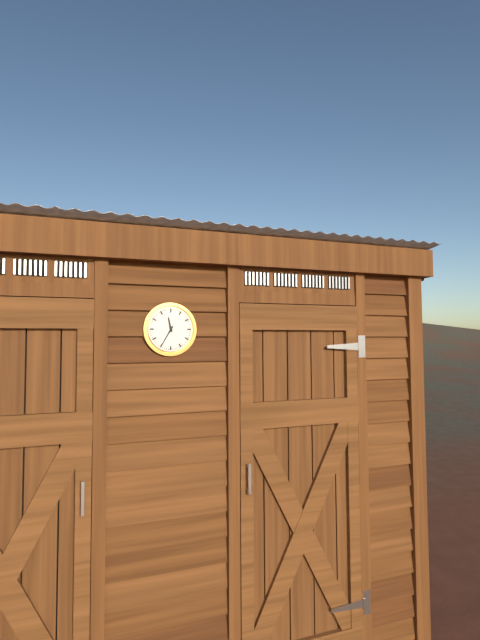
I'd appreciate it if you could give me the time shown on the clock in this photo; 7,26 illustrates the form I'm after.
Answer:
11,35
